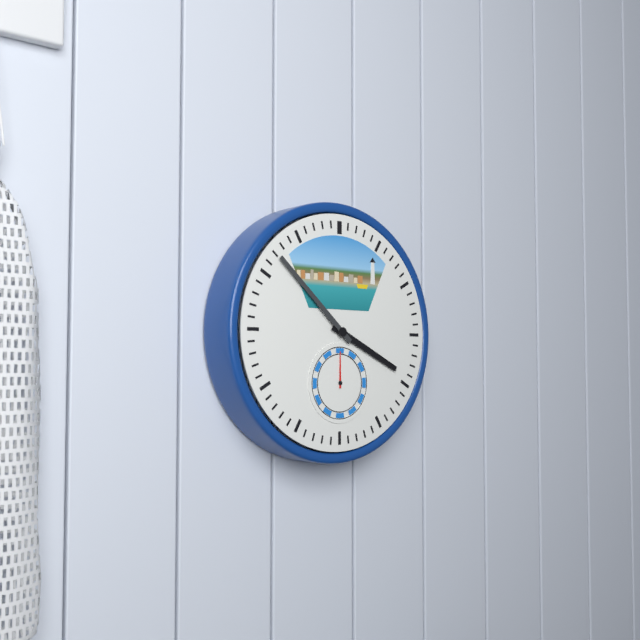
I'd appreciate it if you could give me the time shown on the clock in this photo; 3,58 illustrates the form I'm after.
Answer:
3,52
